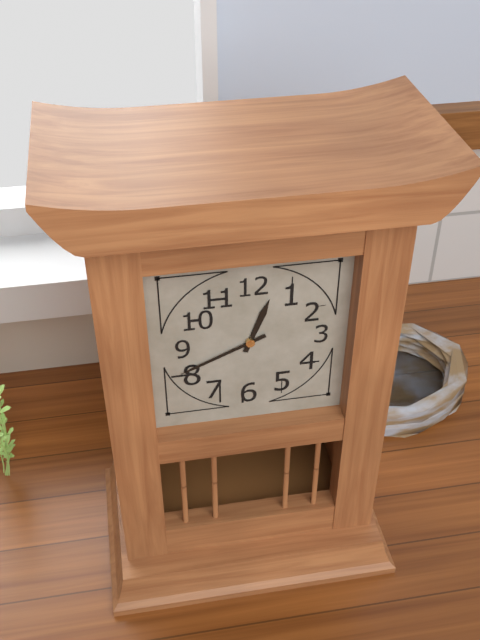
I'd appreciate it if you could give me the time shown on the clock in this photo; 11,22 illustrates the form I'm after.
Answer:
12,41
